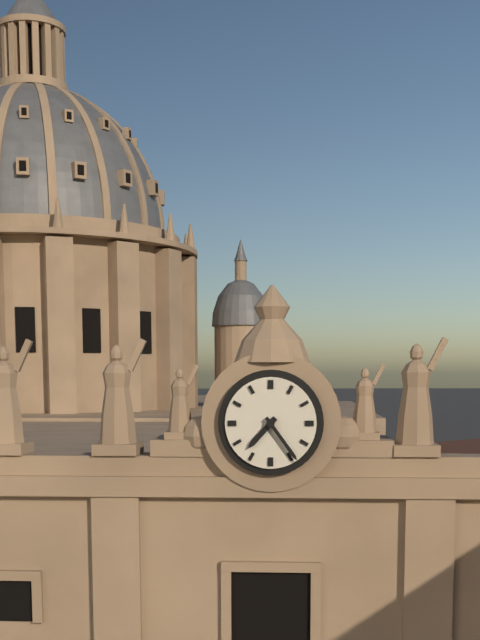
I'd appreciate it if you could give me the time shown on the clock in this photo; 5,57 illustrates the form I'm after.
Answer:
7,24
